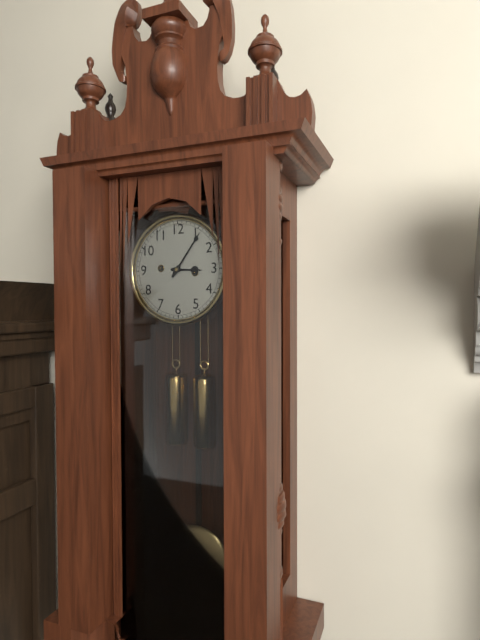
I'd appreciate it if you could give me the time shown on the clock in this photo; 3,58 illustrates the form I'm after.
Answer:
3,06
